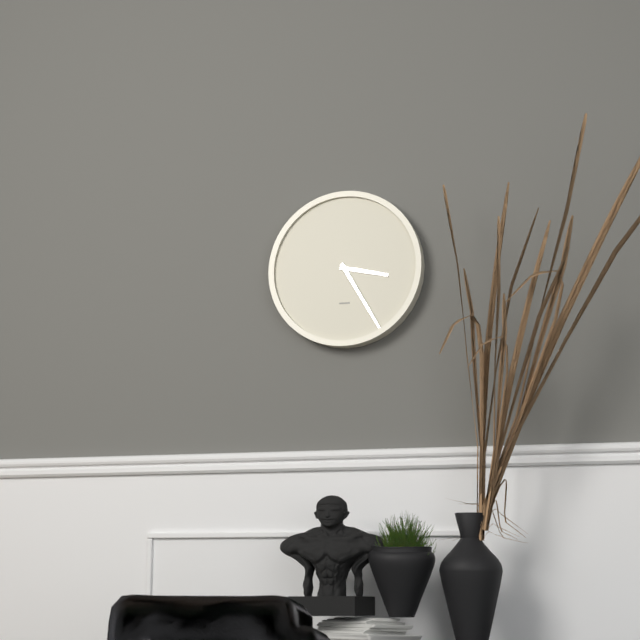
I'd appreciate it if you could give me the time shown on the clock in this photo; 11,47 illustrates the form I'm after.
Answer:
3,25
